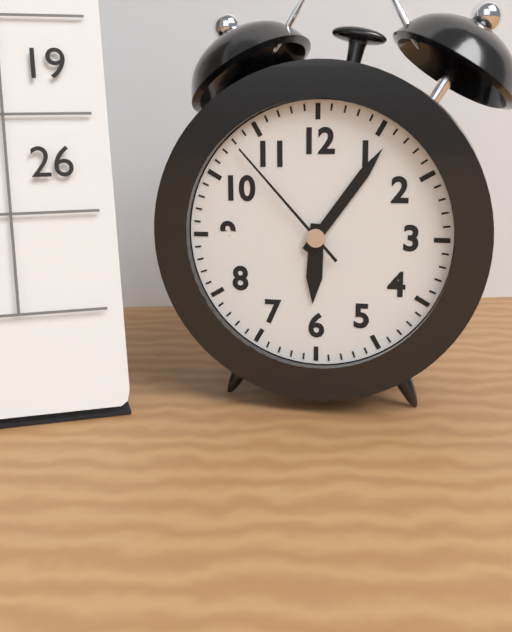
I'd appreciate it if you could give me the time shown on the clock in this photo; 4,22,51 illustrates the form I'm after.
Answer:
6,06,53
